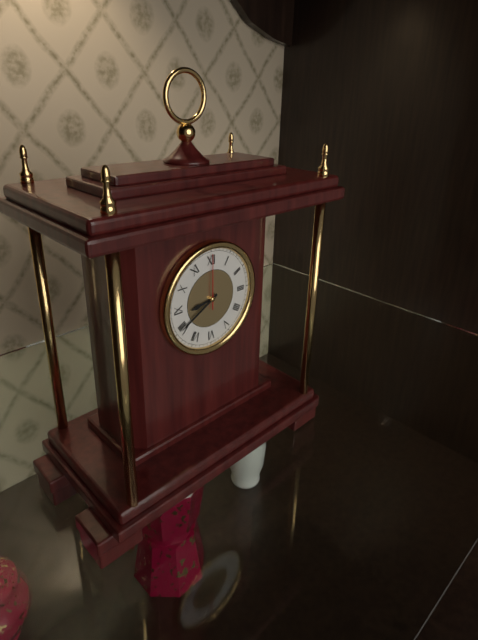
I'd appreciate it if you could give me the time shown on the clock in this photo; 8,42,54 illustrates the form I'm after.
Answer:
8,40,00
